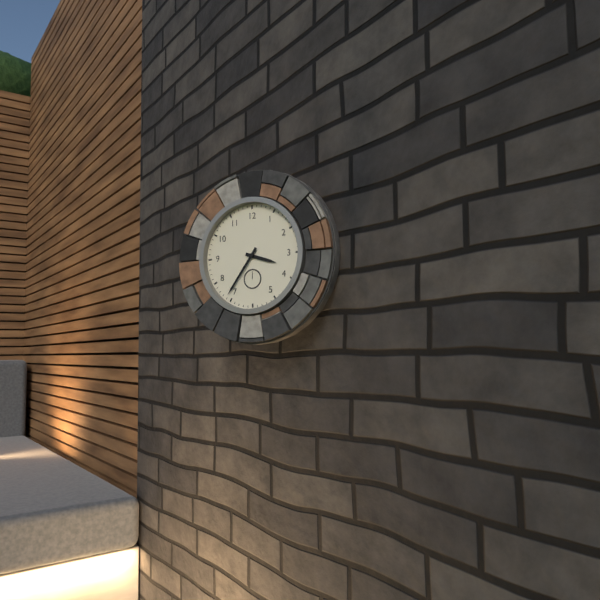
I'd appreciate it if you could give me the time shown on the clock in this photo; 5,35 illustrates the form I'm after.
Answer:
3,36
